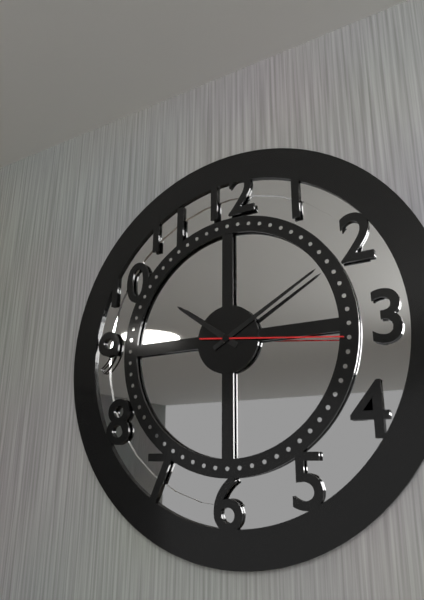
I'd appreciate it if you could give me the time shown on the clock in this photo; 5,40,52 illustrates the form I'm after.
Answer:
10,10,16
